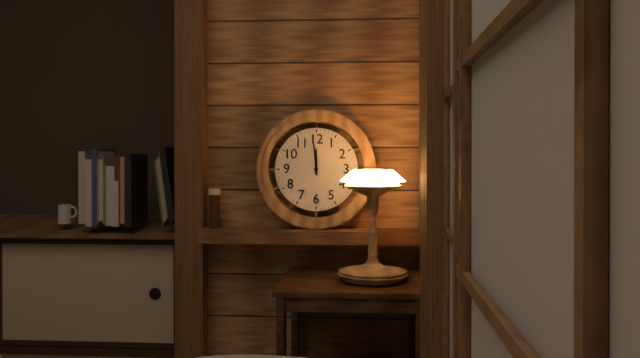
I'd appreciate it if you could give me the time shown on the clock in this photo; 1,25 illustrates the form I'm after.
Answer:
11,59
